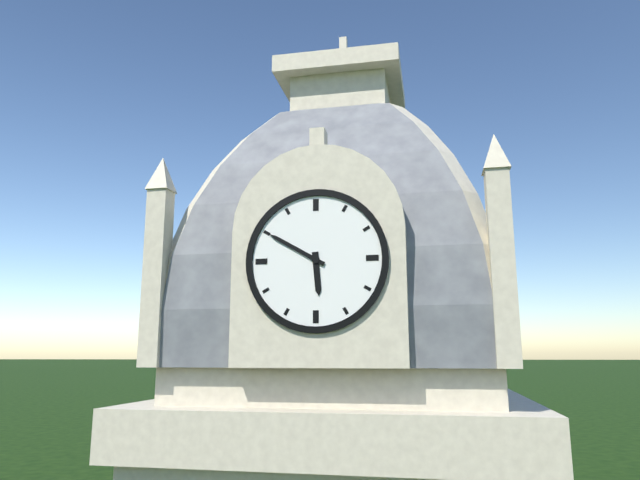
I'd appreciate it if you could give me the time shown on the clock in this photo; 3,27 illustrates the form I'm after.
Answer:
5,50
